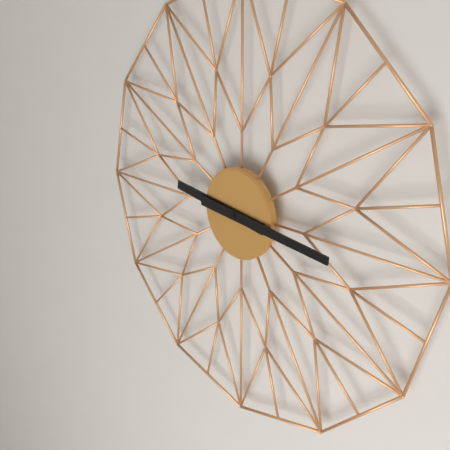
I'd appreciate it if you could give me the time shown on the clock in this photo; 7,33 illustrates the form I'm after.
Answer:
9,16
